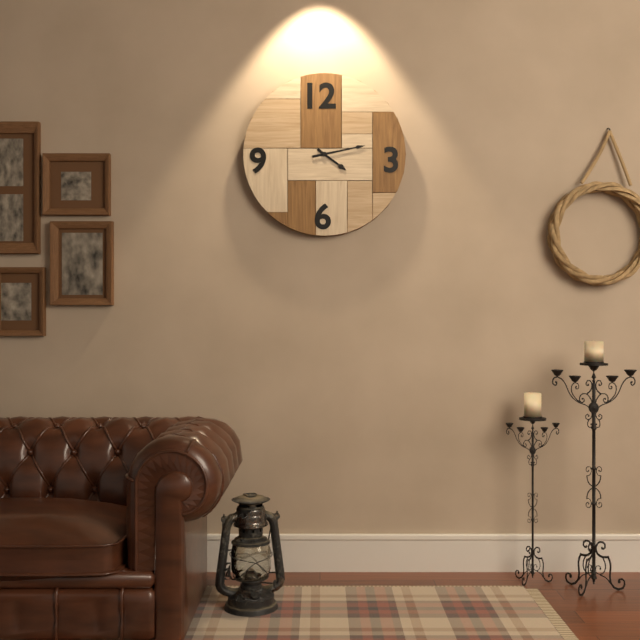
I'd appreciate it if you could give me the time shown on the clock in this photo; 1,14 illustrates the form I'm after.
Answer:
4,13
